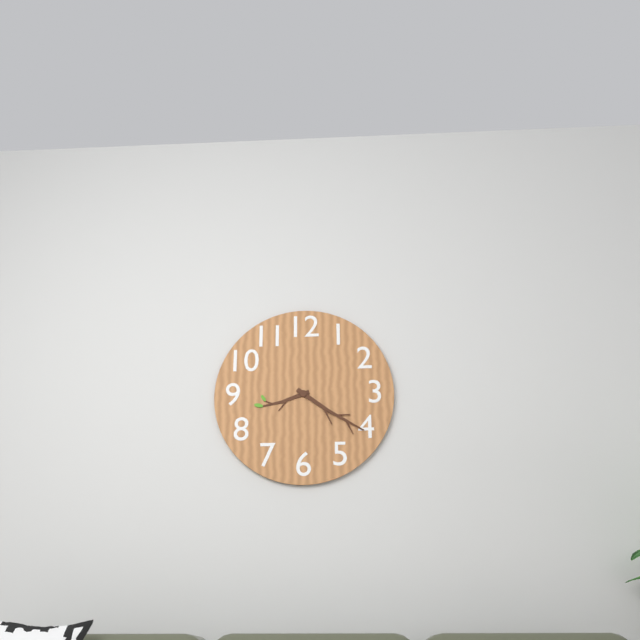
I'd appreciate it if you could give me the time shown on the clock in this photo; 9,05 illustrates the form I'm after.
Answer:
8,21
